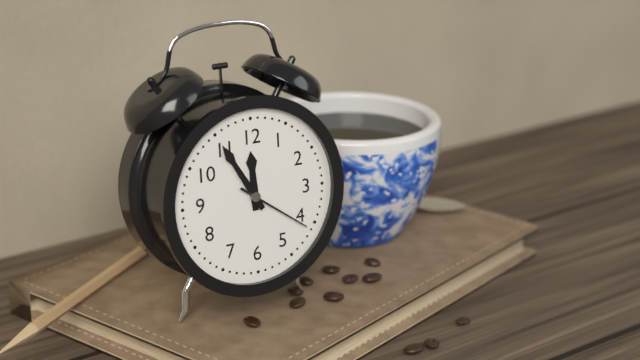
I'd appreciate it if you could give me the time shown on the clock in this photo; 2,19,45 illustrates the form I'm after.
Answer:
11,55,21
